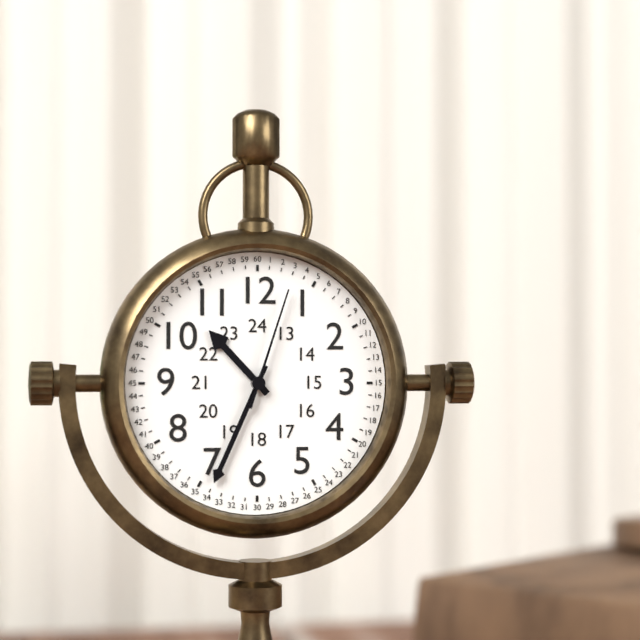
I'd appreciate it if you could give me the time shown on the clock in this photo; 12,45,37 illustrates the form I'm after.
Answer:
10,34,03
